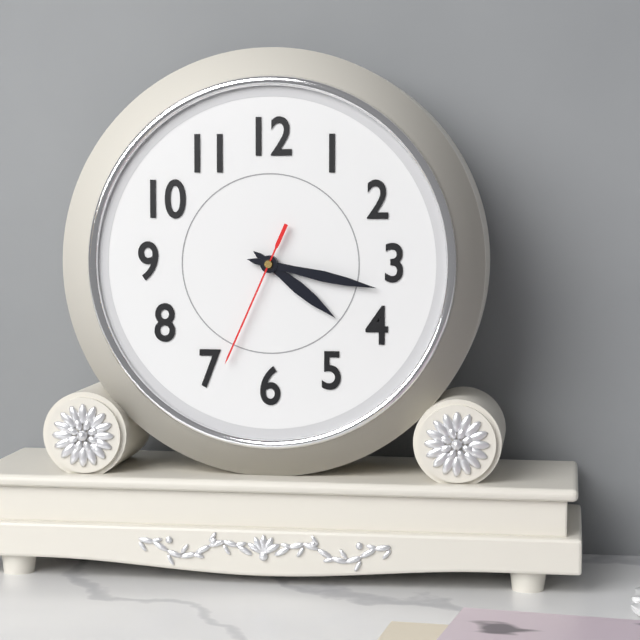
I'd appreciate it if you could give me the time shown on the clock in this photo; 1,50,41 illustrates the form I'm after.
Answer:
4,17,34
